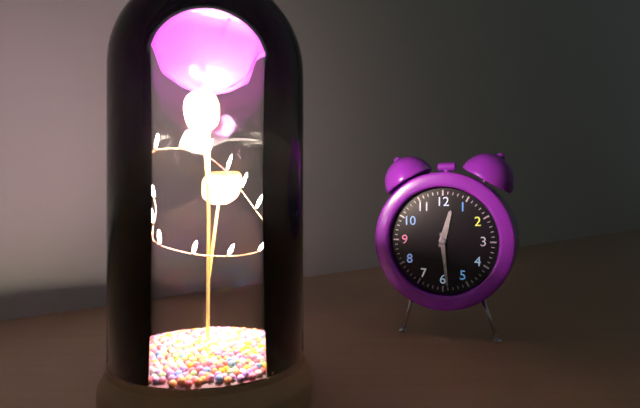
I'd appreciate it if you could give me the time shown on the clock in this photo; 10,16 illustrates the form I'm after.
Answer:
12,29
